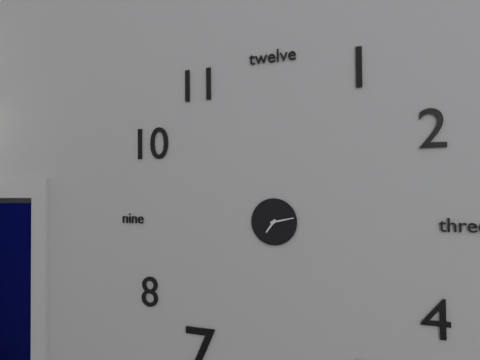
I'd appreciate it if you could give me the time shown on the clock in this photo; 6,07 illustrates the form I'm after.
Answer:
7,13
